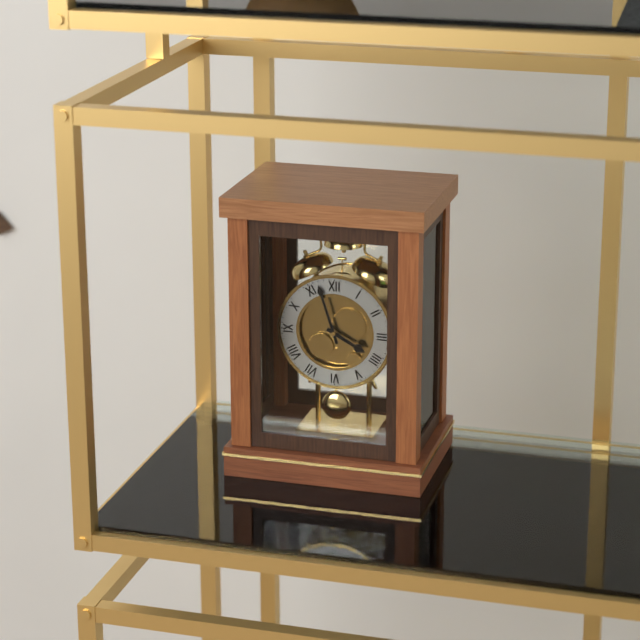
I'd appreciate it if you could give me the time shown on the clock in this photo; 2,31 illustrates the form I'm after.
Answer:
3,57
